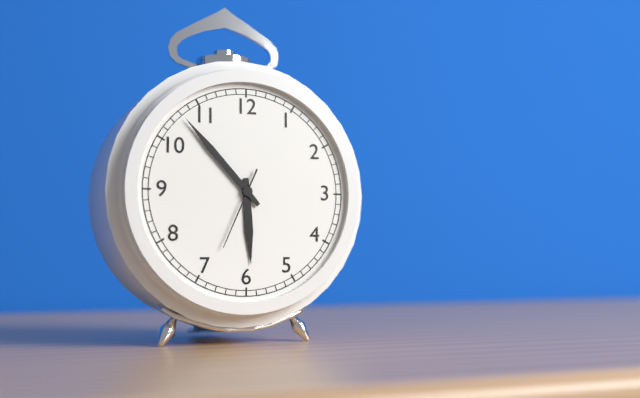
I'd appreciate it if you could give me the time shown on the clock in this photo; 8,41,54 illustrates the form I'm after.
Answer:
5,53,34
